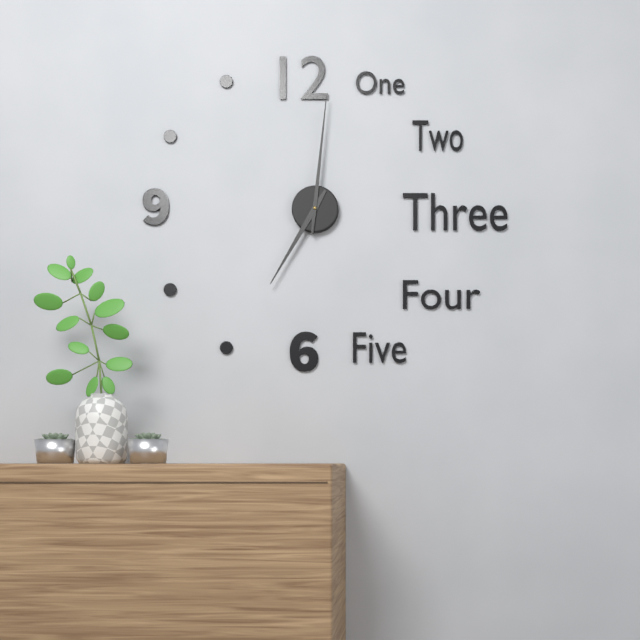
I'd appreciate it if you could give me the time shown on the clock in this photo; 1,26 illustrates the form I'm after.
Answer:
7,01
